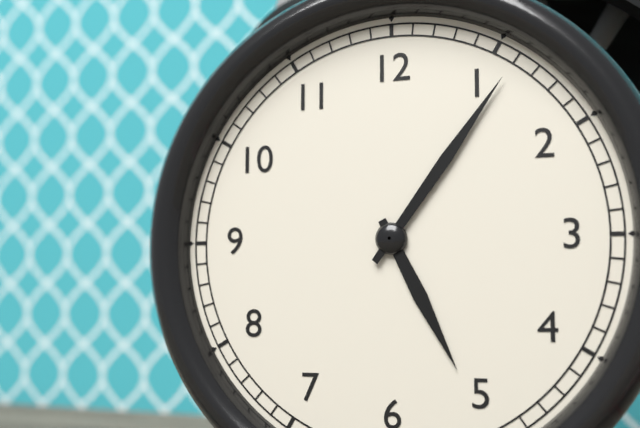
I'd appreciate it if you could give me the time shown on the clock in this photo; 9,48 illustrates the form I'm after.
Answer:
5,06
